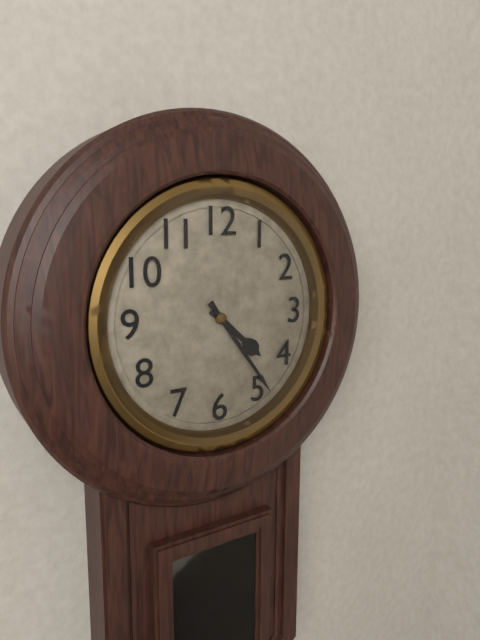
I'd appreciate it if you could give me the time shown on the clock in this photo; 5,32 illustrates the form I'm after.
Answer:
4,24
